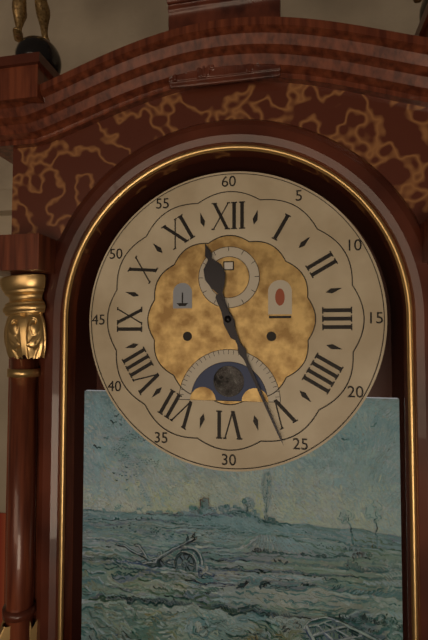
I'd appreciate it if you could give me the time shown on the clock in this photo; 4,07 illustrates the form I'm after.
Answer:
11,26
